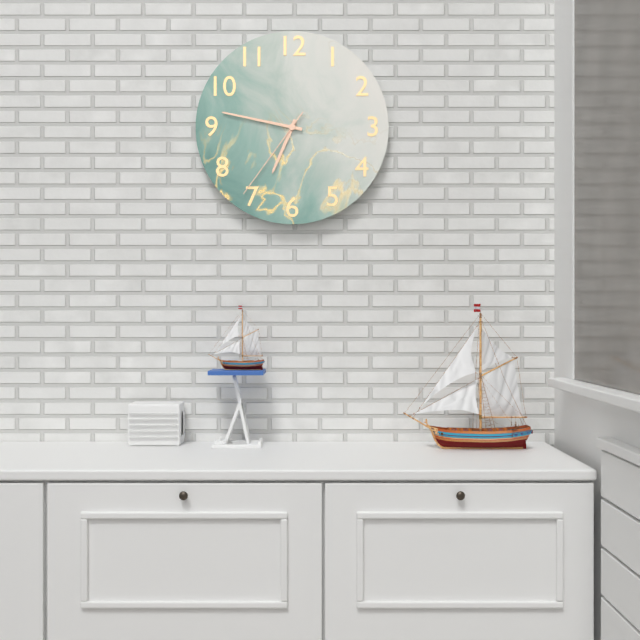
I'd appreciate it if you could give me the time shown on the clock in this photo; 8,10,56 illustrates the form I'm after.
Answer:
6,47,36
